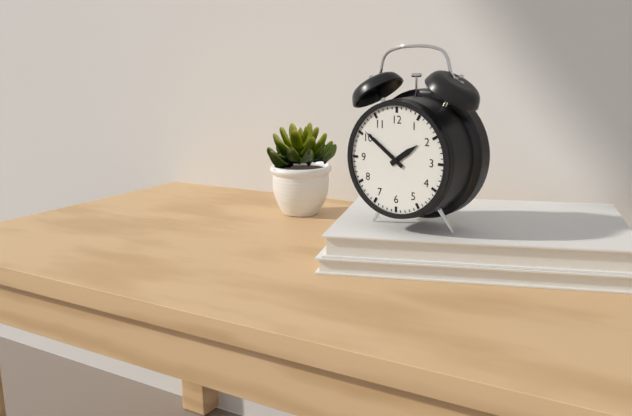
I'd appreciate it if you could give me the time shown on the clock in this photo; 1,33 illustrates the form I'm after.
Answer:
1,51
